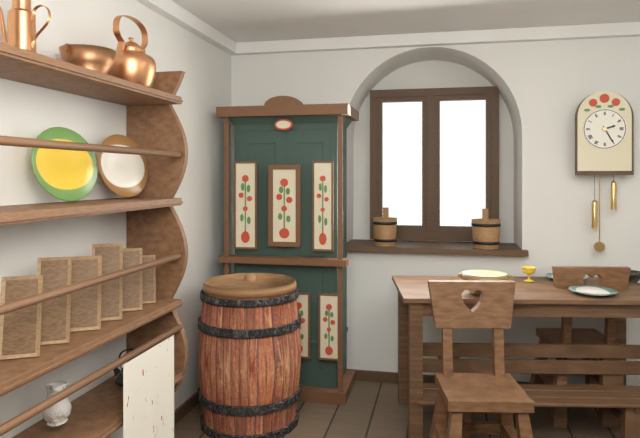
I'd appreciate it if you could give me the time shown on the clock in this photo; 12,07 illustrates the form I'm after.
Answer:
2,25
